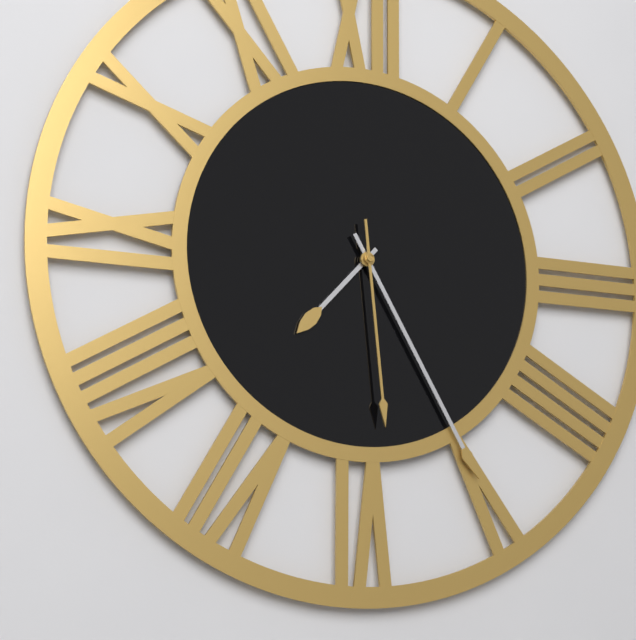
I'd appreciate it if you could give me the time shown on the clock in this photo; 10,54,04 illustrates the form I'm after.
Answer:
7,25,29
